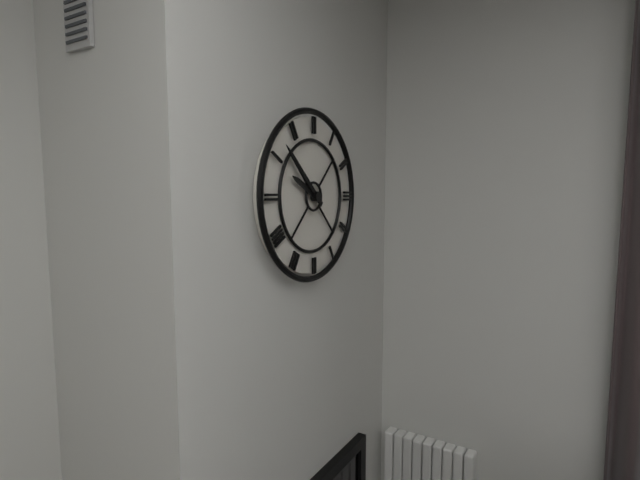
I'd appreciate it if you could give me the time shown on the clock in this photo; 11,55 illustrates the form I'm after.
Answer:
9,52
